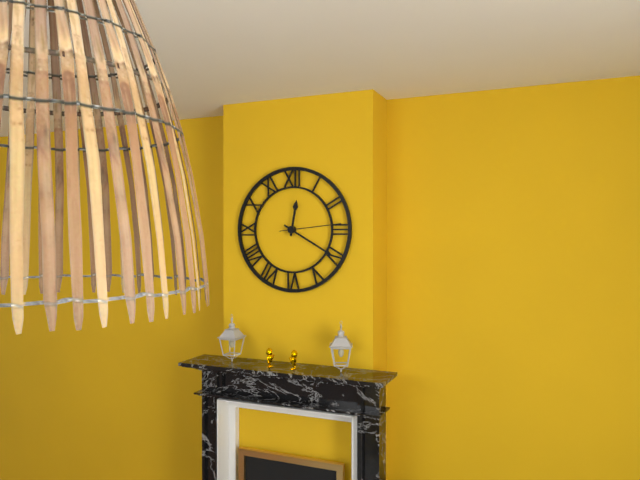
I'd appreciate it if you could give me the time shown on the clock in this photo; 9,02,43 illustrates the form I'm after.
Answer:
12,20,14
